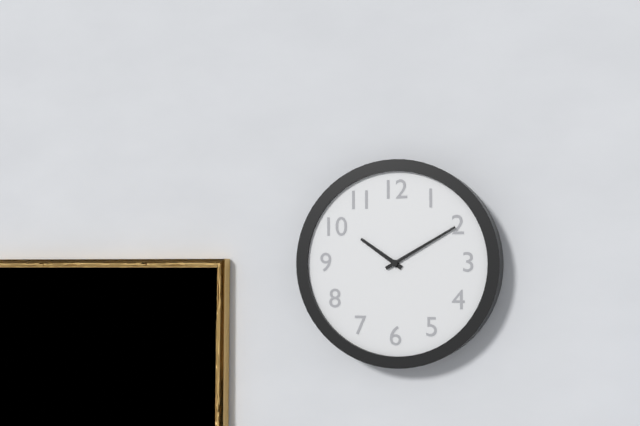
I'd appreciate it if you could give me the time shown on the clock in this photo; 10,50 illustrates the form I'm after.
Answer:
10,10
